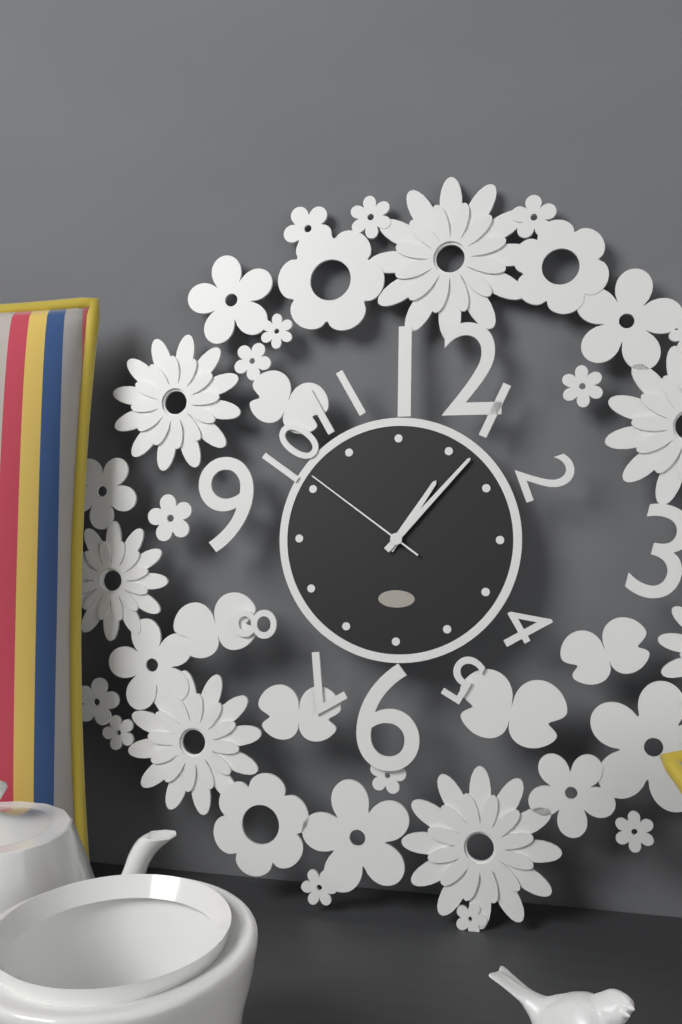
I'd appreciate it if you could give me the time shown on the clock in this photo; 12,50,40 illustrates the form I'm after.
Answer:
1,07,51
